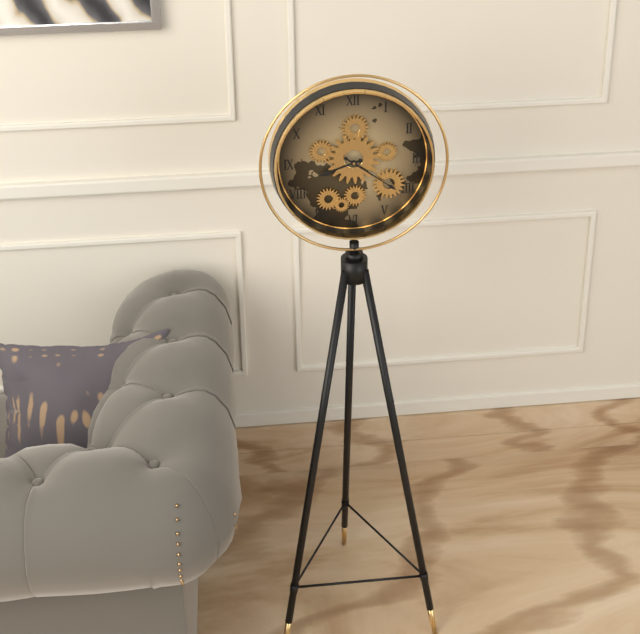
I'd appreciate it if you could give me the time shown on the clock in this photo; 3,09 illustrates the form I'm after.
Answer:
8,21
